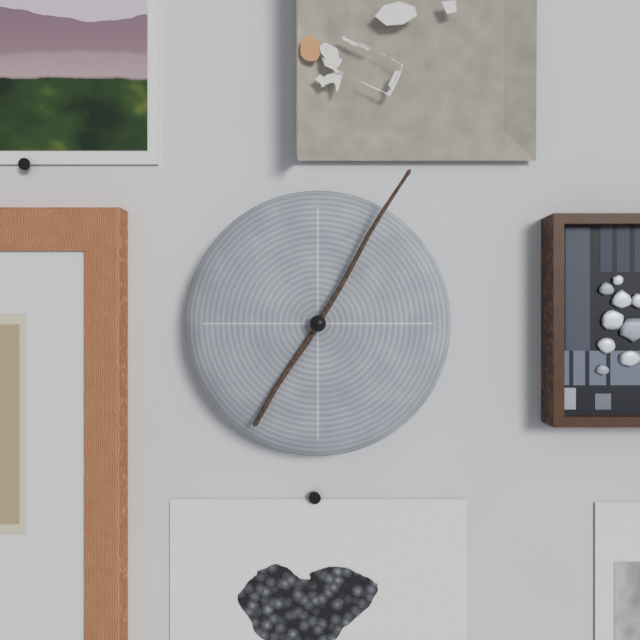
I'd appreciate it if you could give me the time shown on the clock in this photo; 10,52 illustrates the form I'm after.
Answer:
7,05
